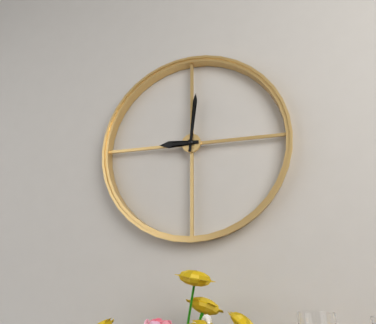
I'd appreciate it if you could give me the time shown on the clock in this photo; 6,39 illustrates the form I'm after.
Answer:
9,01
